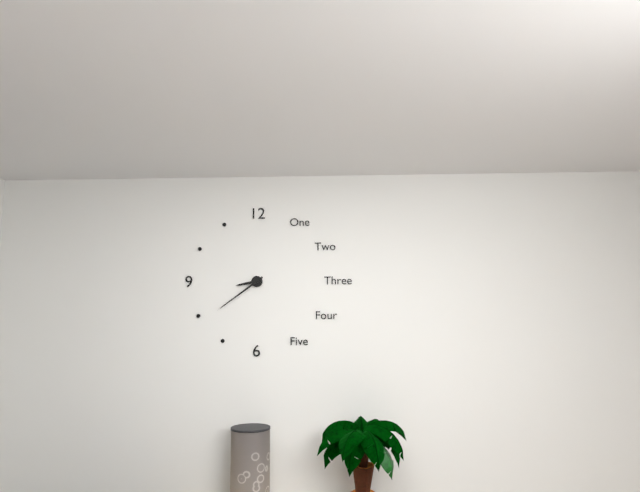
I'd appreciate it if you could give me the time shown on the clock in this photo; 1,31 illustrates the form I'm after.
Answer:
8,39
